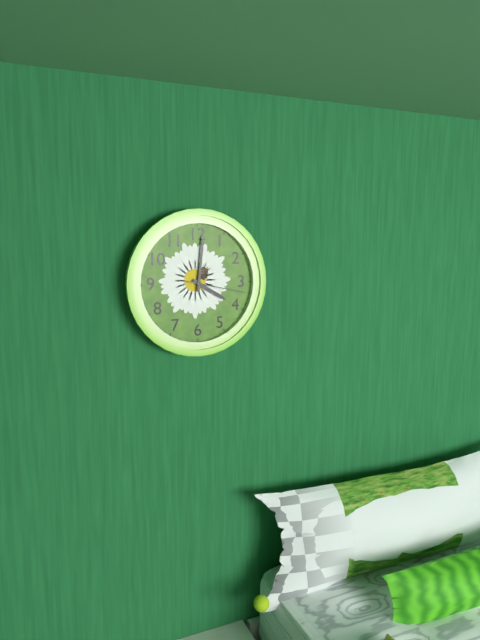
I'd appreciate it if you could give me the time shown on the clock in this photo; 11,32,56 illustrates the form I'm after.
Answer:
4,01,17
